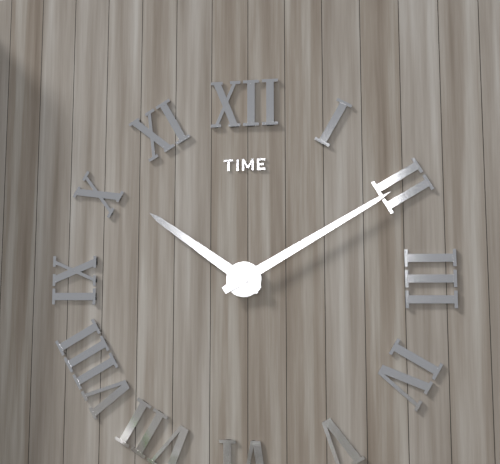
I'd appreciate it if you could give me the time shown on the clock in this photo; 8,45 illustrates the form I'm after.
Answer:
10,10
